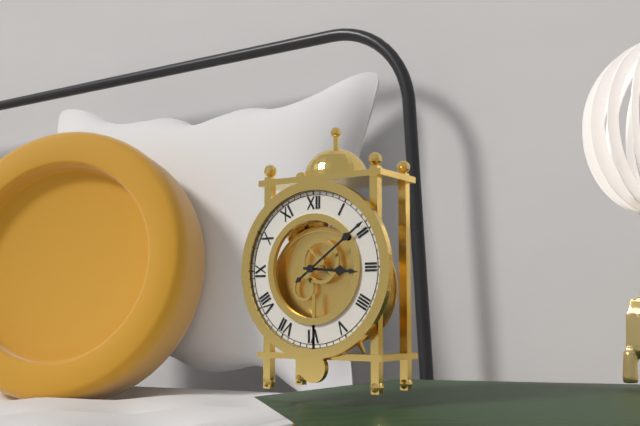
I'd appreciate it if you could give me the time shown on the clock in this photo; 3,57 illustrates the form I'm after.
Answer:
3,09
